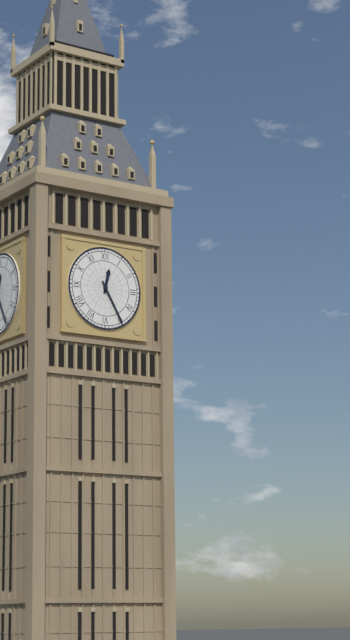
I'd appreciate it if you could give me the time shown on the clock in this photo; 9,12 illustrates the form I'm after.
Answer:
12,25
